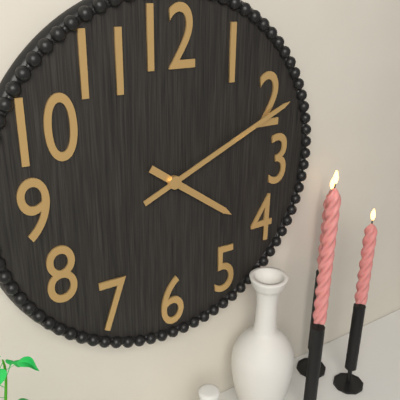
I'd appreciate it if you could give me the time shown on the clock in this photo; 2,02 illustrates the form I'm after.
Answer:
4,11
